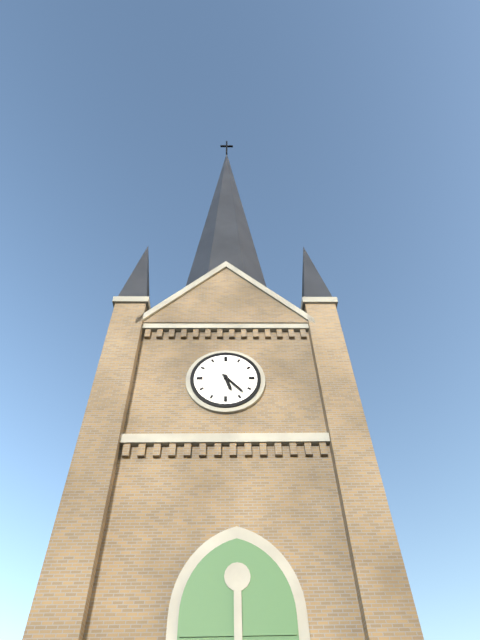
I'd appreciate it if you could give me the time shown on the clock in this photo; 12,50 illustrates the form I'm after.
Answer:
5,23
